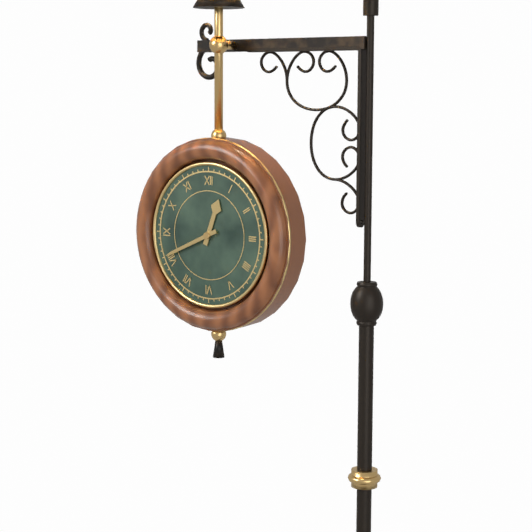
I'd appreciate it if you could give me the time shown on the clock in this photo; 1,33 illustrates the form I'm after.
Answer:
12,41
